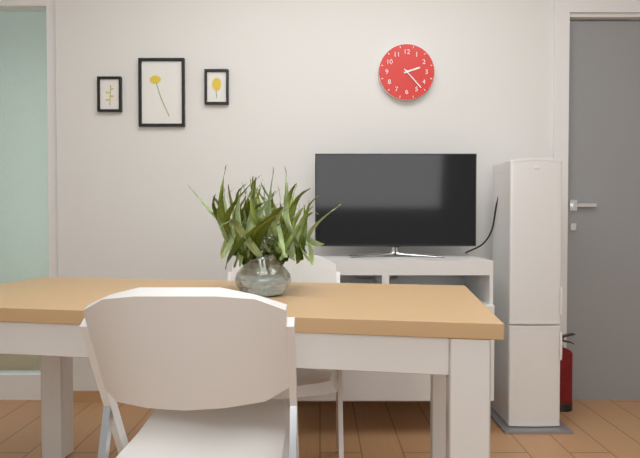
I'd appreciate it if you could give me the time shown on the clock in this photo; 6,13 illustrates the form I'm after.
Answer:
2,23
